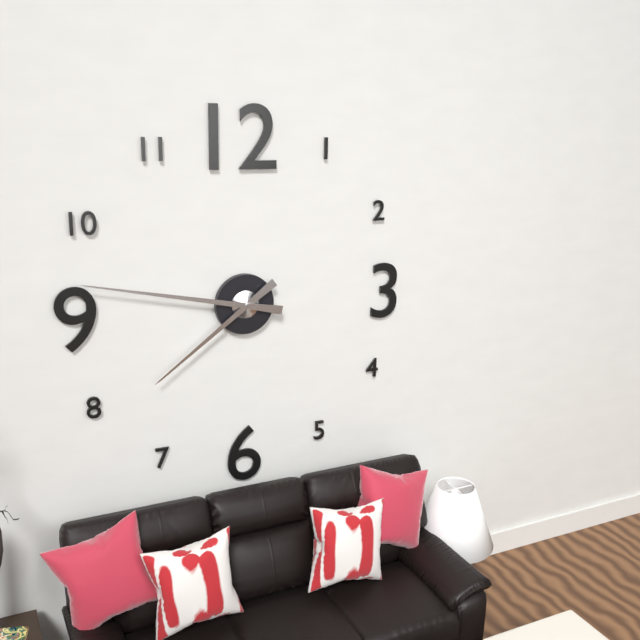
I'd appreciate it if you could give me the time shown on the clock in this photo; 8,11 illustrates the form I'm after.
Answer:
7,47
